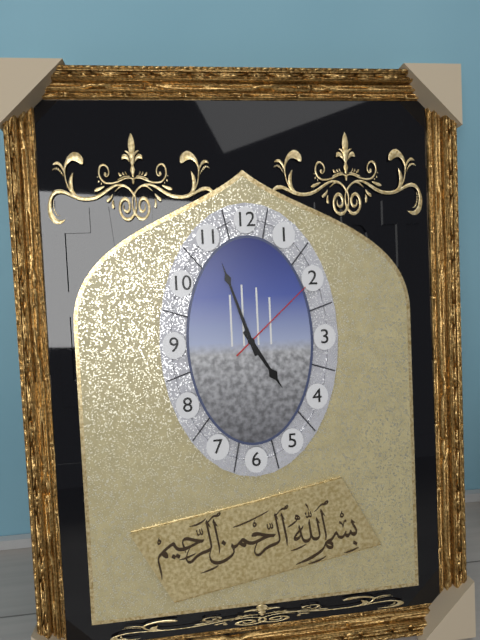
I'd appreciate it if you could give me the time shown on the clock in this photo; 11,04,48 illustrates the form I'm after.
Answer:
4,57,08
